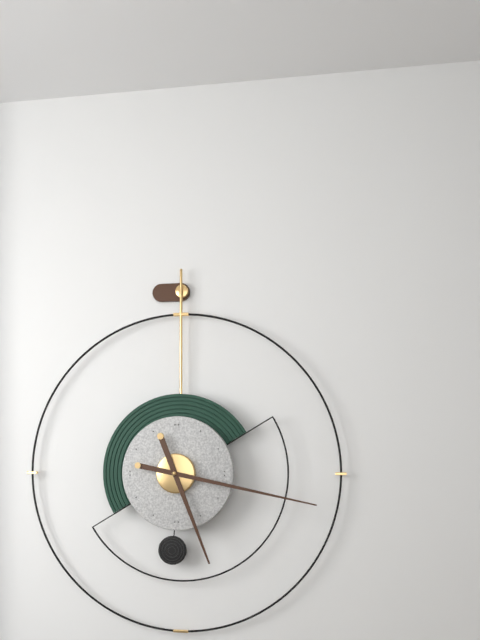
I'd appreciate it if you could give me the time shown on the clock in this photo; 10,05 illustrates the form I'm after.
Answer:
5,17
